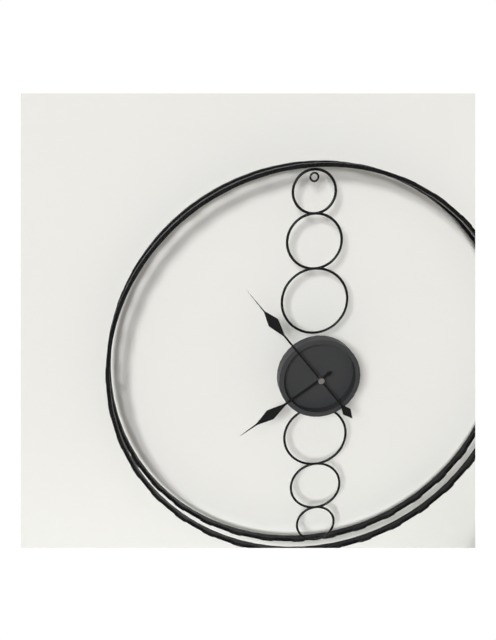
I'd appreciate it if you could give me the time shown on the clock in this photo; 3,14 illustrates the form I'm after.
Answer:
7,54
